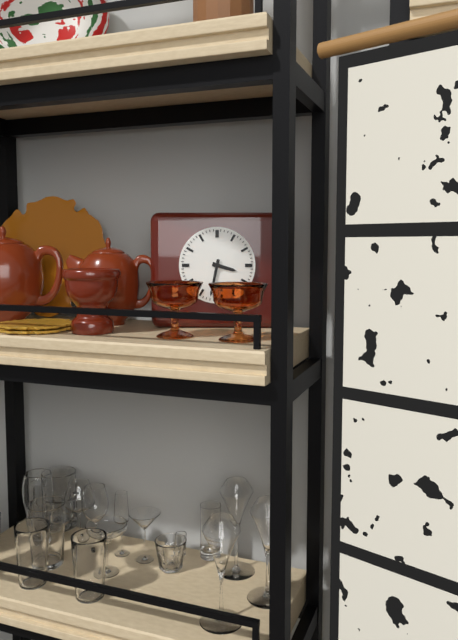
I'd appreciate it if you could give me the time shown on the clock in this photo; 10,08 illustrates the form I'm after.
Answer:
3,32
